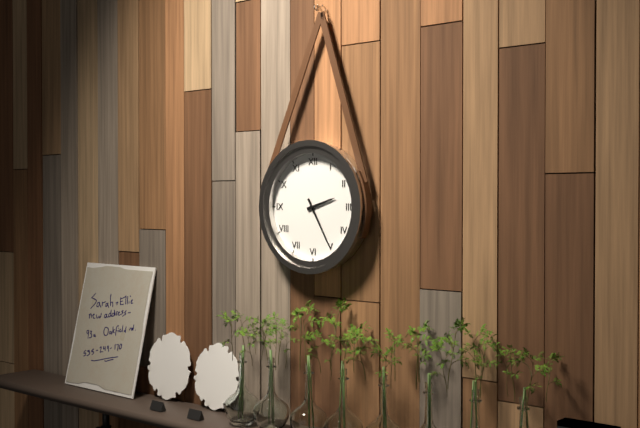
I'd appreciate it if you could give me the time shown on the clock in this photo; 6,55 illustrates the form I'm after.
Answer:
2,25
